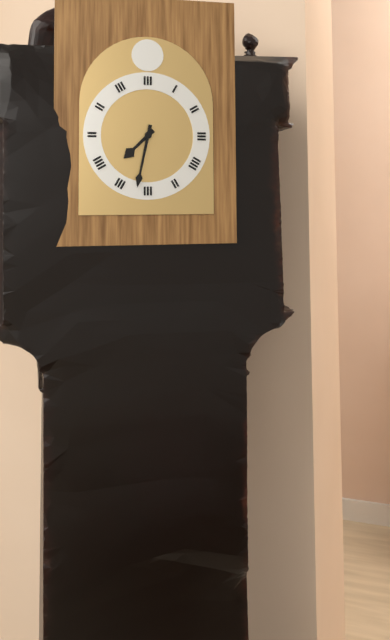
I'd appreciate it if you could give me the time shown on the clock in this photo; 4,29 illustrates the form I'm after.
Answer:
7,32
